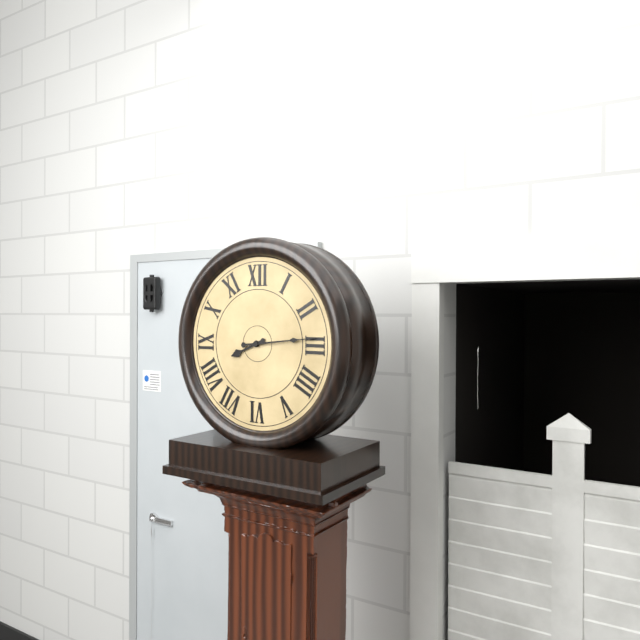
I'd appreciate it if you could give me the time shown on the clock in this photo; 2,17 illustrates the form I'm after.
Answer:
8,14
